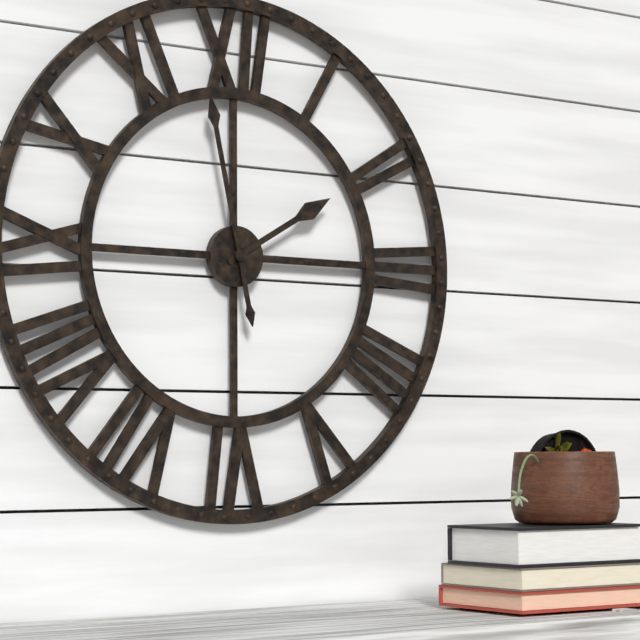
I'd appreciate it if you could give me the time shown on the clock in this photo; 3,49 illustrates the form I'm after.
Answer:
1,58
